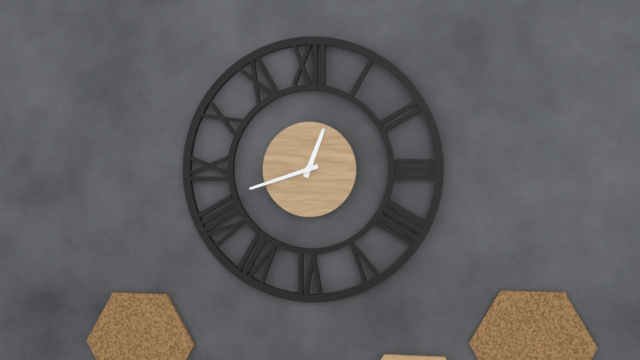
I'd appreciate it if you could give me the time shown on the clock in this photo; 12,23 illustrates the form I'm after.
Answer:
12,42
